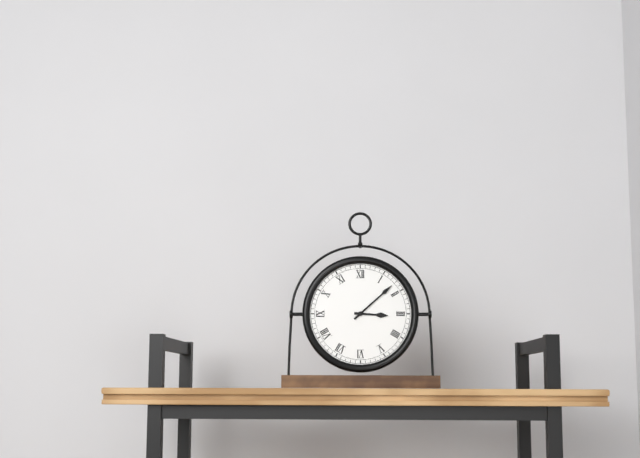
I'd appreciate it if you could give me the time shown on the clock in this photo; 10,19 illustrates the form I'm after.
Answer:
3,08
